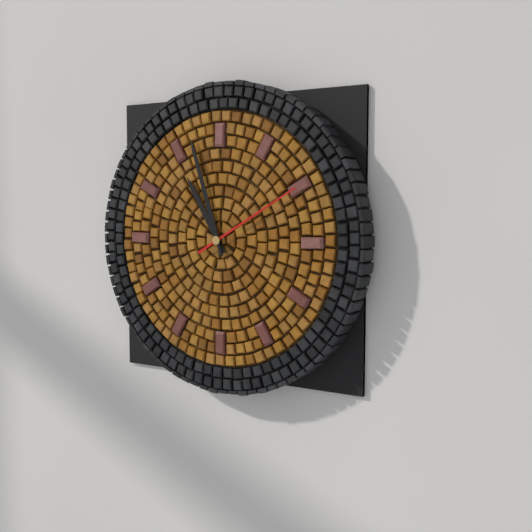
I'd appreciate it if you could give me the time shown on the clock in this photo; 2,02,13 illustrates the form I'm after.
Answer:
10,57,10
